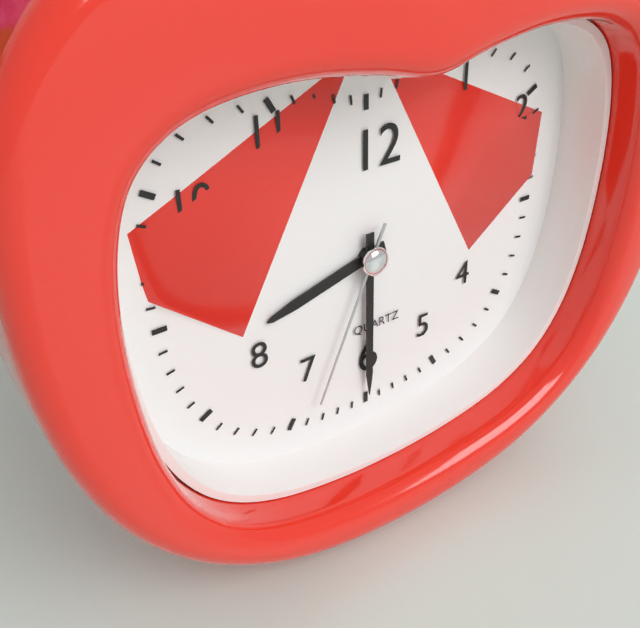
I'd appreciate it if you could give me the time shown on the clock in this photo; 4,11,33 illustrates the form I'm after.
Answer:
8,30,34
